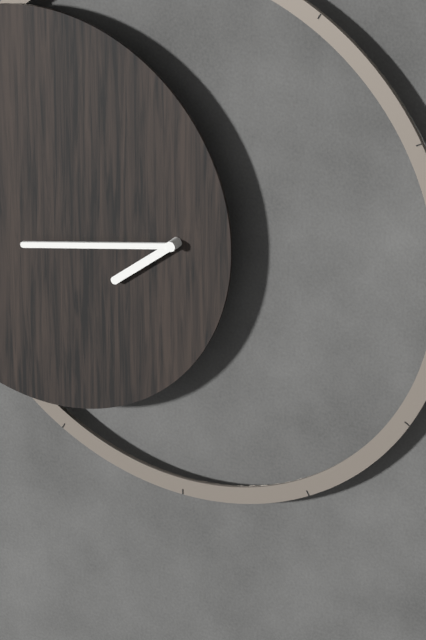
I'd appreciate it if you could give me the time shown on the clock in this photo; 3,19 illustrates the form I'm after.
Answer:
7,43
